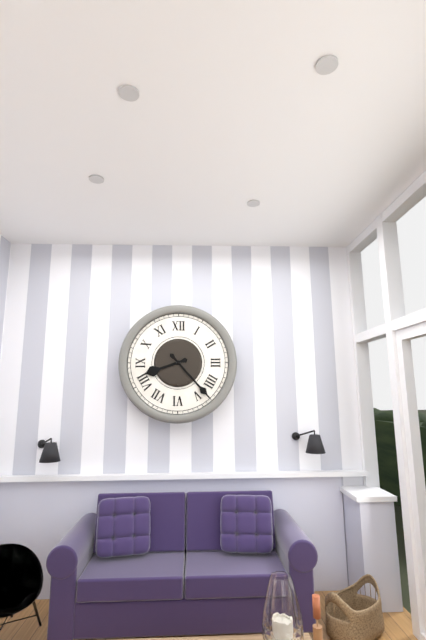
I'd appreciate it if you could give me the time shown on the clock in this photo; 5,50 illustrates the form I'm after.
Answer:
8,23
